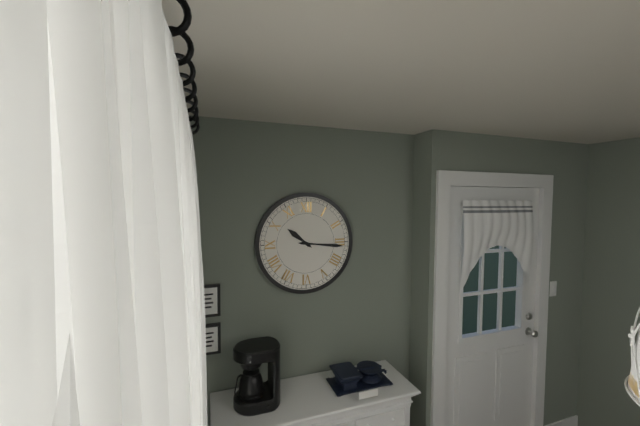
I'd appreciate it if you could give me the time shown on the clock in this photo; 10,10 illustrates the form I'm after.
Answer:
10,16
